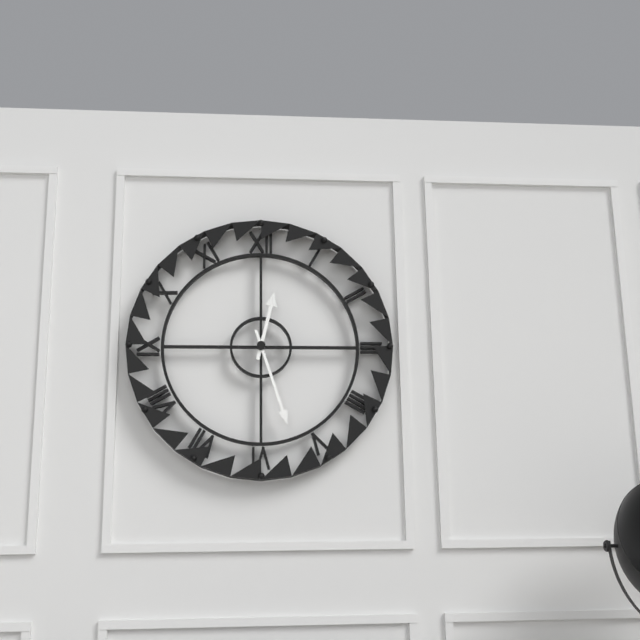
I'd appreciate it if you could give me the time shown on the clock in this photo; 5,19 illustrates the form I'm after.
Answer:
12,27
